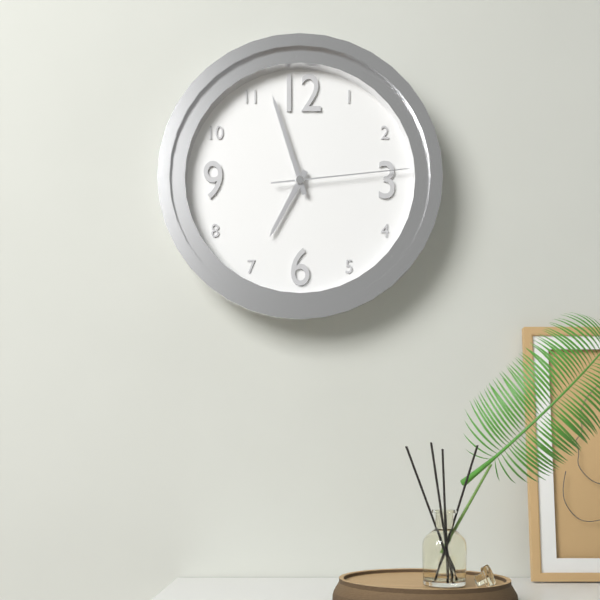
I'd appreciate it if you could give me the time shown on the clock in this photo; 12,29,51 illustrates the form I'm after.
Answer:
6,57,14
